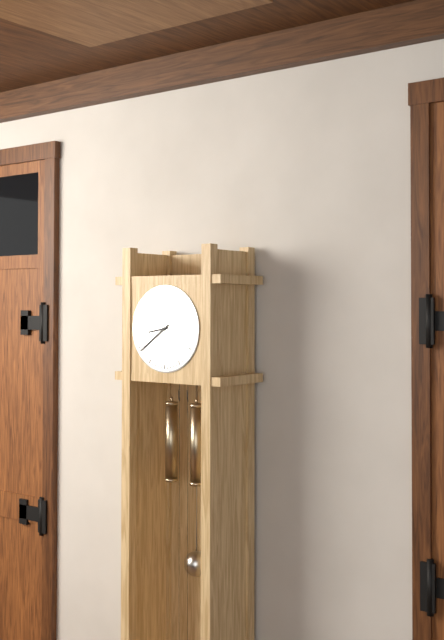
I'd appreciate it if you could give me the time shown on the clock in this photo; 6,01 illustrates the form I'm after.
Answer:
8,39
